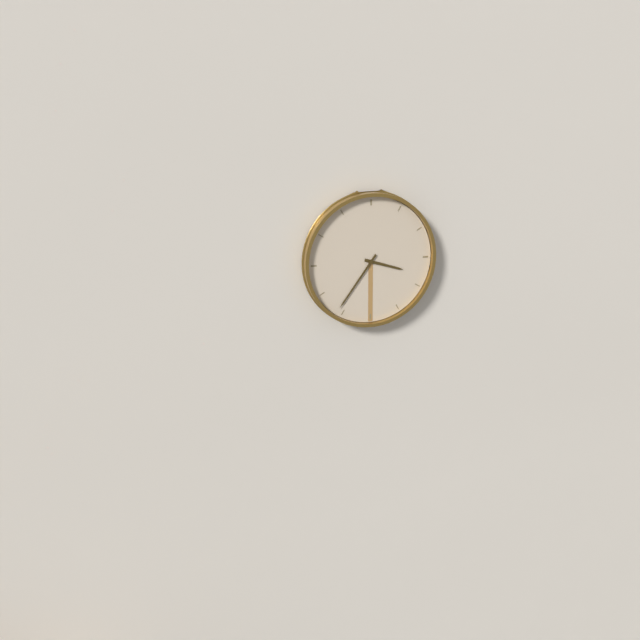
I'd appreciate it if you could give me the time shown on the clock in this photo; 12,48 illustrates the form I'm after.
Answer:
3,36
